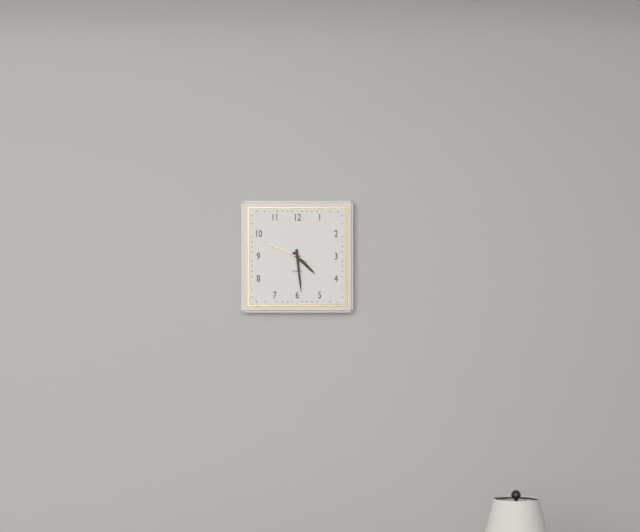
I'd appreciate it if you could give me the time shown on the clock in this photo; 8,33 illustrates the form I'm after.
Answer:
4,29
